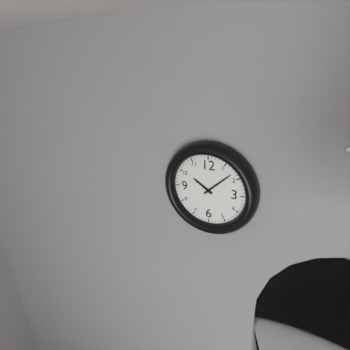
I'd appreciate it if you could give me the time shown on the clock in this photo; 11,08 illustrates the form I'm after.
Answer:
10,08
